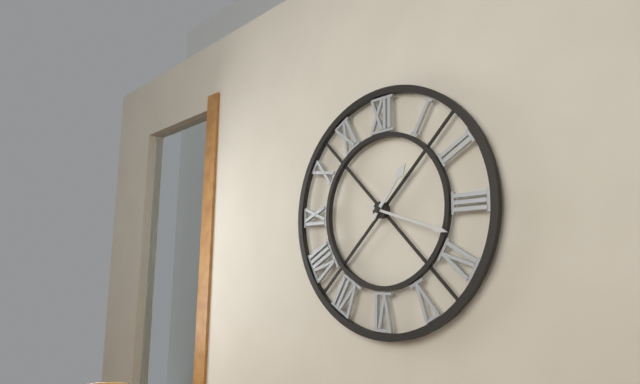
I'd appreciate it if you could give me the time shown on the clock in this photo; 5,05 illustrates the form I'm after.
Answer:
1,18
